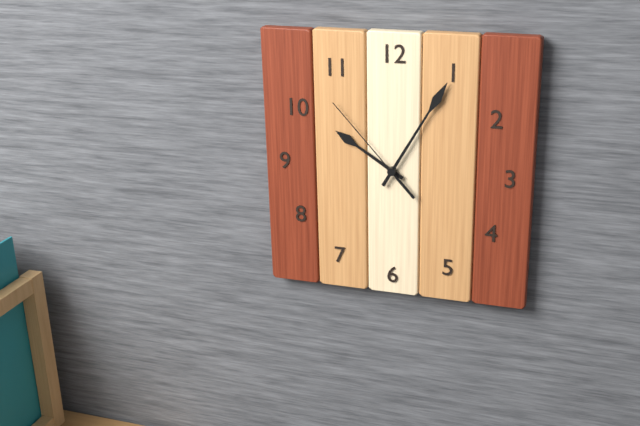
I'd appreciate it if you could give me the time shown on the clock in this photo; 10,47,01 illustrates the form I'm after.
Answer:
10,05,53
